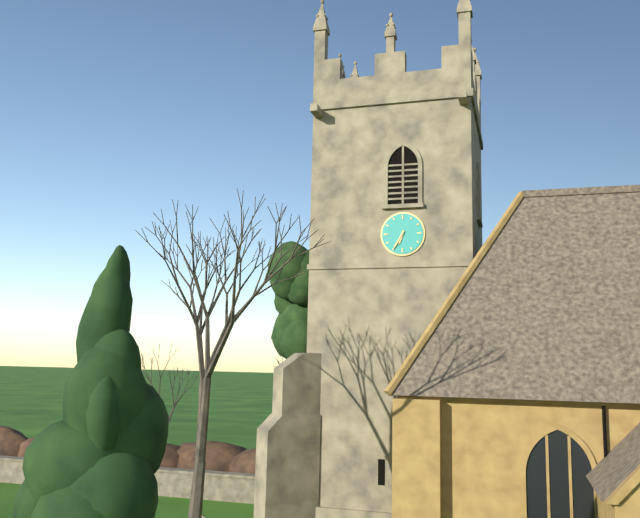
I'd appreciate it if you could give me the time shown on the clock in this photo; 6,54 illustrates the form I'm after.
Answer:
6,35
